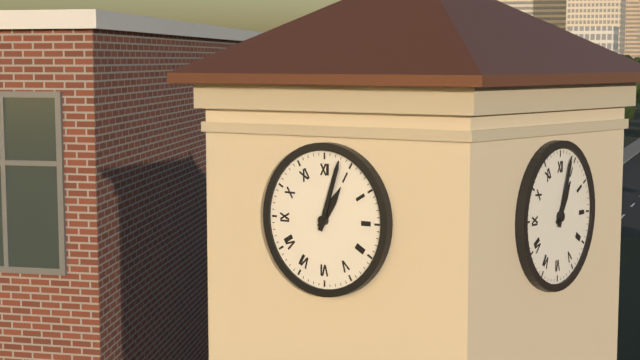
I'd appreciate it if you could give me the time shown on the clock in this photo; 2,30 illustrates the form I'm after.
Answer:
1,03
